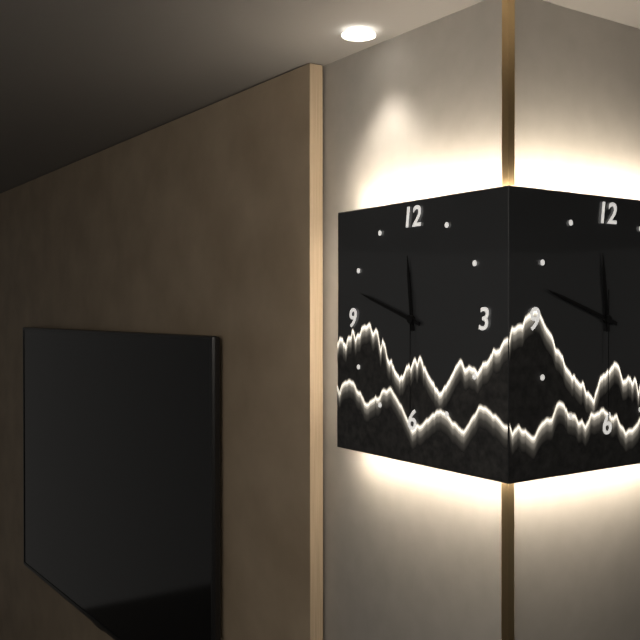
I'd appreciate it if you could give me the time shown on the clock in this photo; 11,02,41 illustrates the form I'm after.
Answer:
11,48,30
